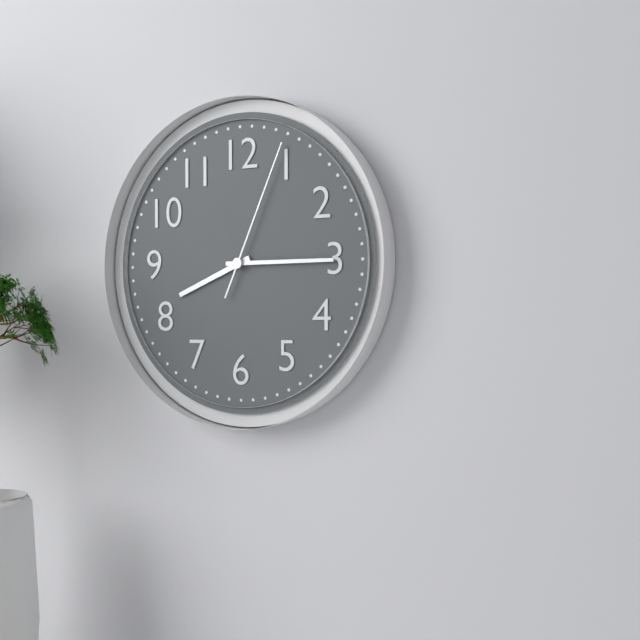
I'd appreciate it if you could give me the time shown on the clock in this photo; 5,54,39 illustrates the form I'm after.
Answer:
8,15,04
